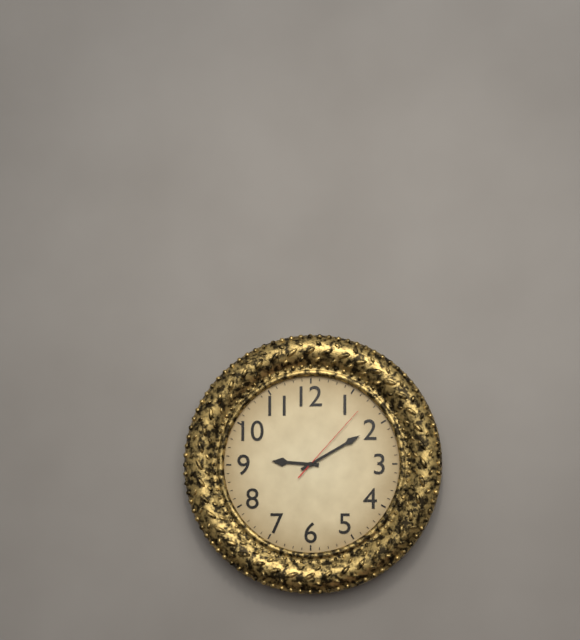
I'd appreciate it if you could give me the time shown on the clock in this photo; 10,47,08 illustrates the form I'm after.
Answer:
9,10,07
